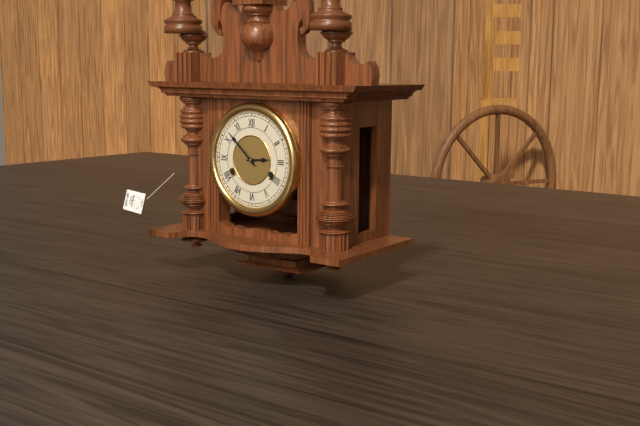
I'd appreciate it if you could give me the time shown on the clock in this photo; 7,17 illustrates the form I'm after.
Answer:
2,52
